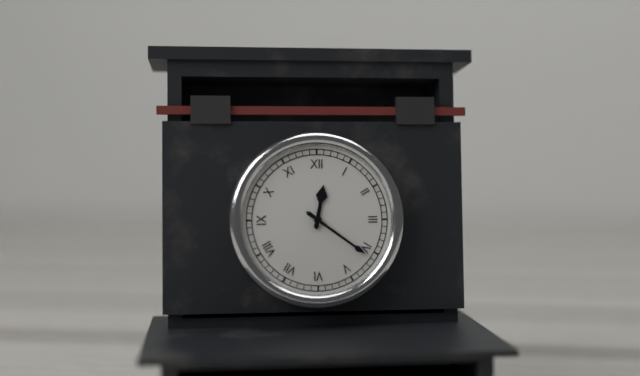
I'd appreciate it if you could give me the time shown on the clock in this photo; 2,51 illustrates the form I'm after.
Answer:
12,21
